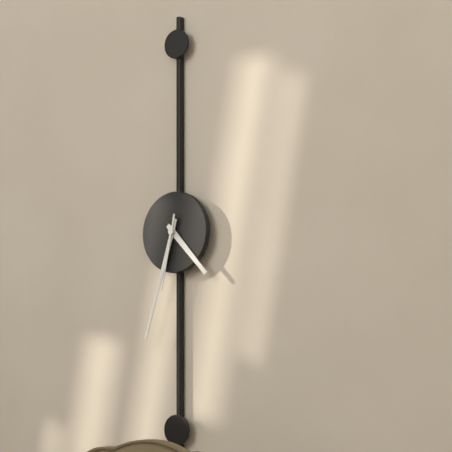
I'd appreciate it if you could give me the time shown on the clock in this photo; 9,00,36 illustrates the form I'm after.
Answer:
4,33,32
